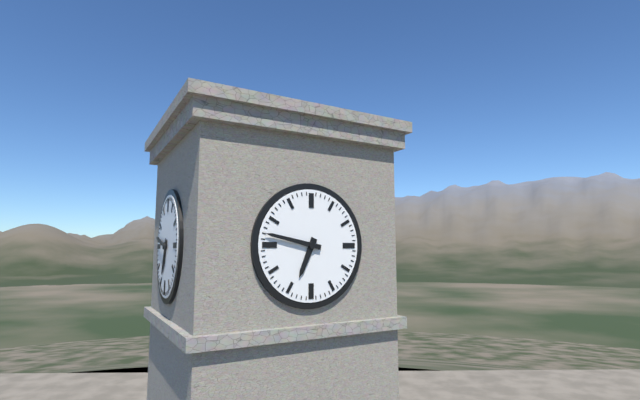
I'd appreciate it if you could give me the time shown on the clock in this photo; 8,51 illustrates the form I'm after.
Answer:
6,47
